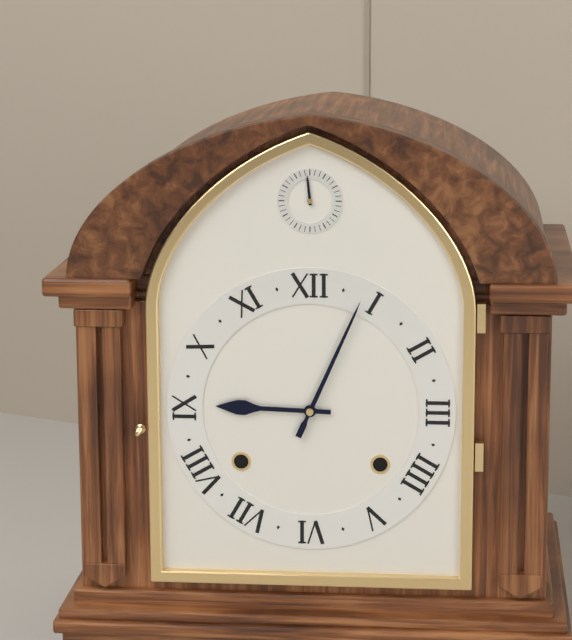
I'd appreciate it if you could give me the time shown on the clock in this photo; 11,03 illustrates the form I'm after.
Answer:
9,04
